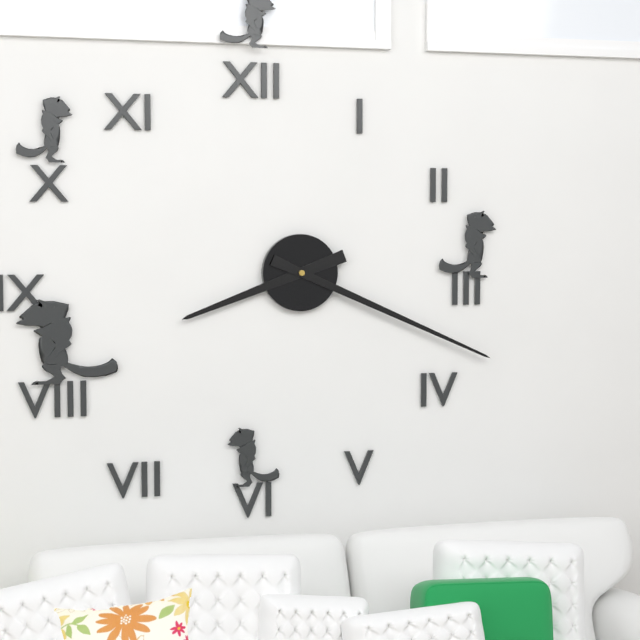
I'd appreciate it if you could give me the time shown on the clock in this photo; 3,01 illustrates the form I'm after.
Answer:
8,19
